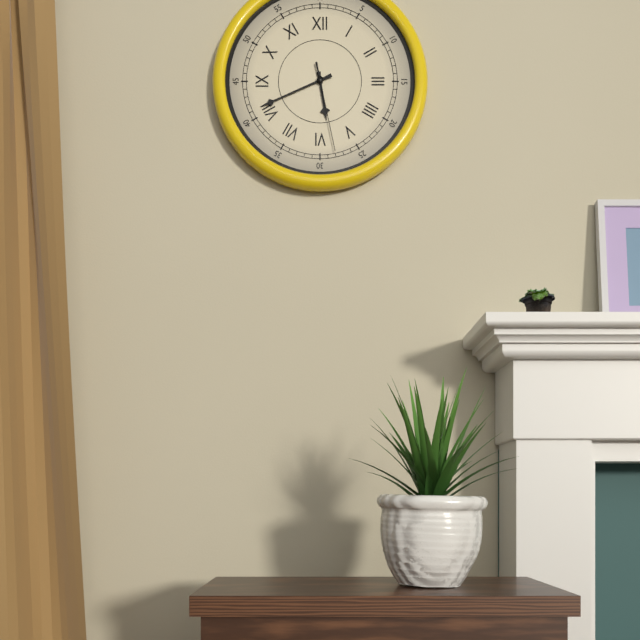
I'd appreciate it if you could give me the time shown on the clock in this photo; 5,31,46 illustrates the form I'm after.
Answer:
5,41,28
